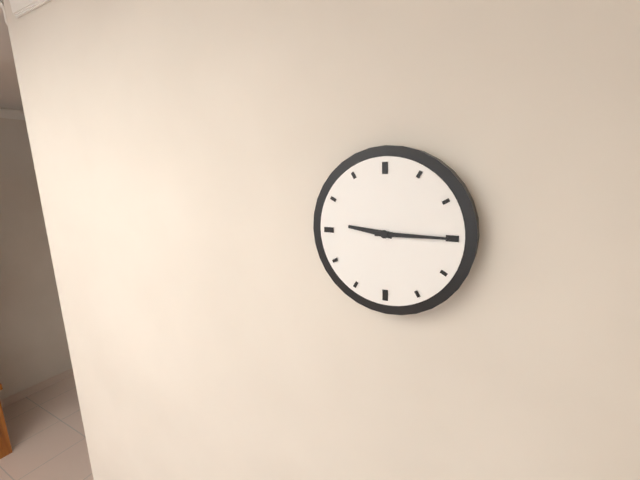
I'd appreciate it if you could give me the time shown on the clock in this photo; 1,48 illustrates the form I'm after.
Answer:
9,15
